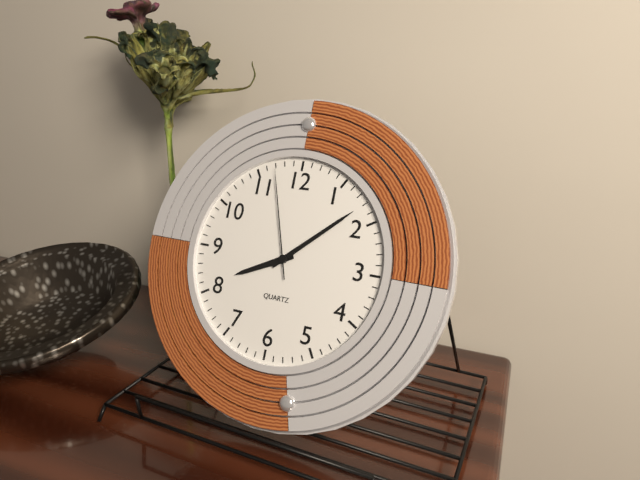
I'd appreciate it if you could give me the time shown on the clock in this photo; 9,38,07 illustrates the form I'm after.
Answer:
8,08,57
